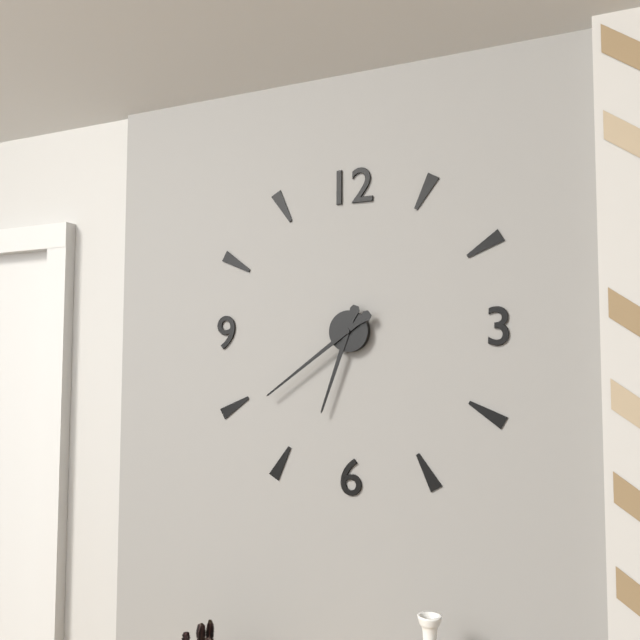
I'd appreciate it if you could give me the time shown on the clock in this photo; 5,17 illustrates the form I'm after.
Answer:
6,39
